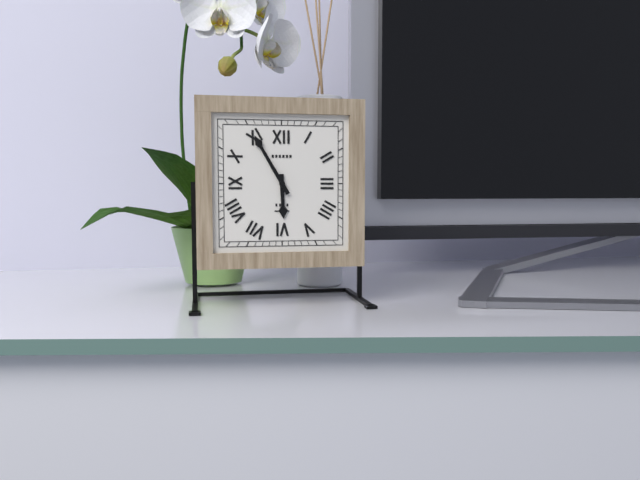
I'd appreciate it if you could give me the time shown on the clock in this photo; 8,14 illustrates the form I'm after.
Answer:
5,55
